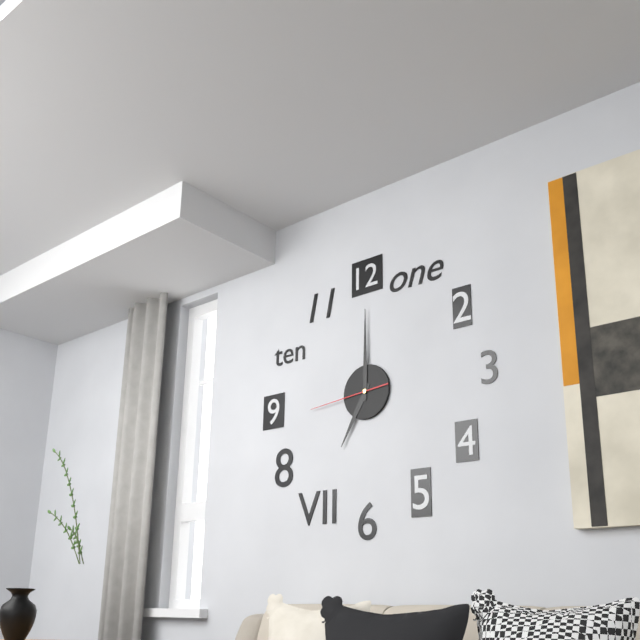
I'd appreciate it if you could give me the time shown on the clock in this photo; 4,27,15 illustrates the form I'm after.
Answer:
7,00,44
